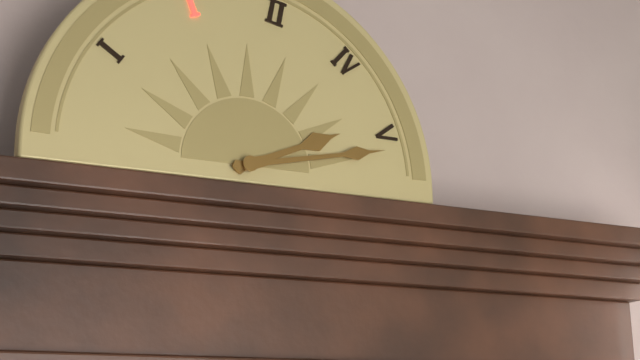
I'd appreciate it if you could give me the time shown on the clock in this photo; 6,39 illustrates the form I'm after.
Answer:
2,13
